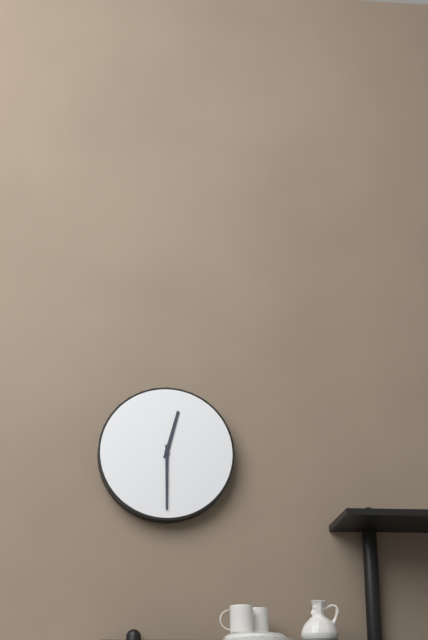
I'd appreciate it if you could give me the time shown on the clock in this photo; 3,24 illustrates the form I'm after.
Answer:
12,30
